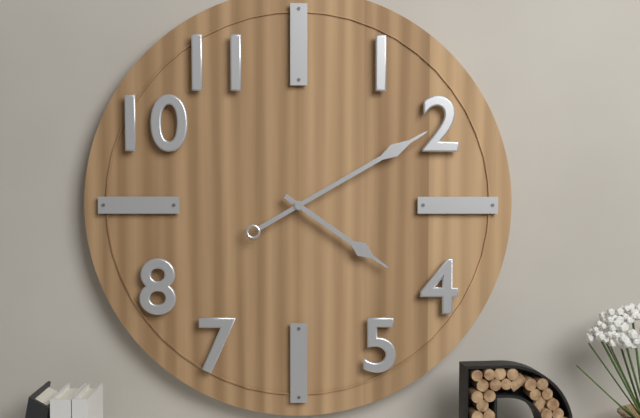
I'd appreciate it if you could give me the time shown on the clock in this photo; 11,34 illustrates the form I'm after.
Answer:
4,10
